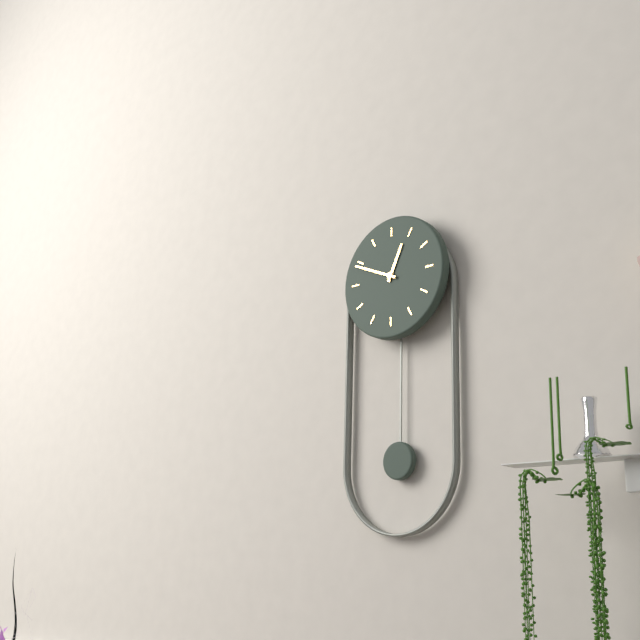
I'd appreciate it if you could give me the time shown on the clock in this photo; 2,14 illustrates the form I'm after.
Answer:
12,49
